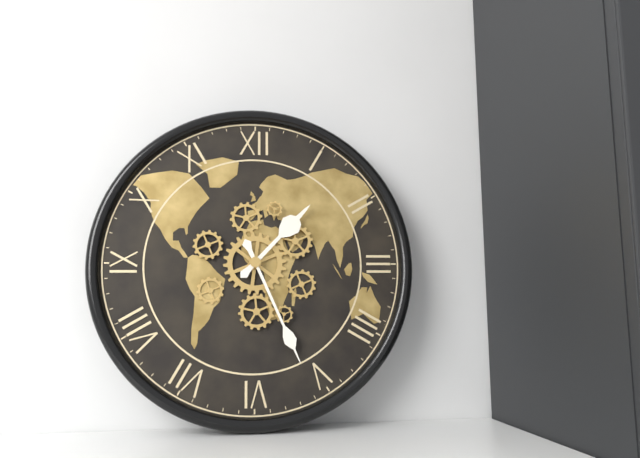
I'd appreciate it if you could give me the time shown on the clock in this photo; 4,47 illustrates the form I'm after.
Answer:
1,26
